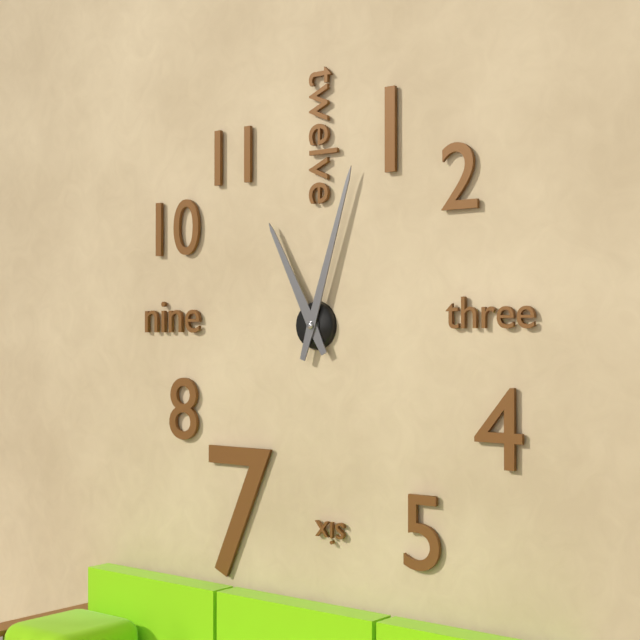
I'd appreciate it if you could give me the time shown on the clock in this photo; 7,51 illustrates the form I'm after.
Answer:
11,03
